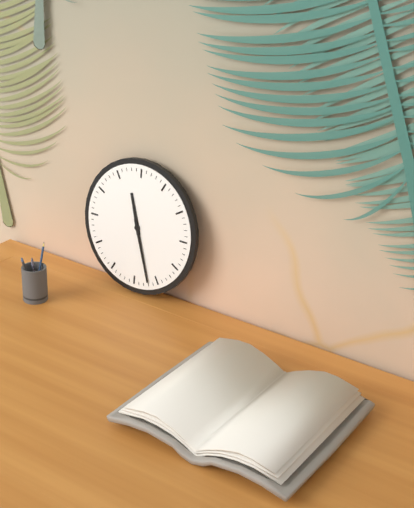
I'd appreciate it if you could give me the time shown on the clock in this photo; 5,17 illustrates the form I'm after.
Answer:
11,27
